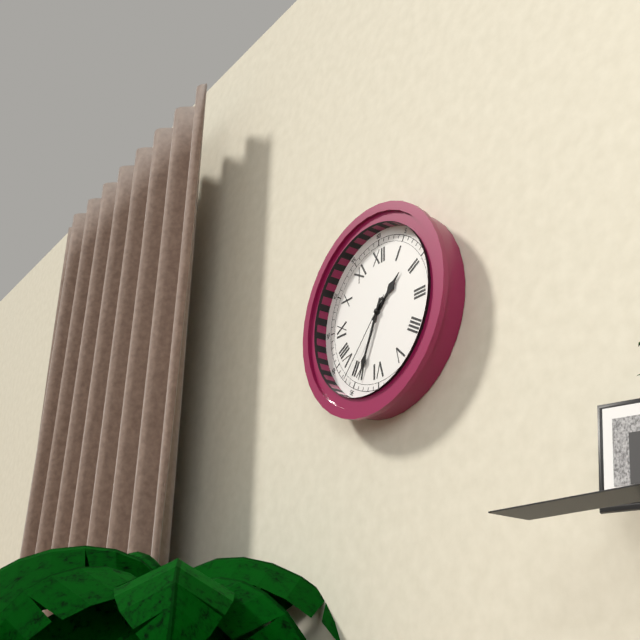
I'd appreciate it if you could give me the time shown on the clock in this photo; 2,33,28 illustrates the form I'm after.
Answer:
1,34,37
